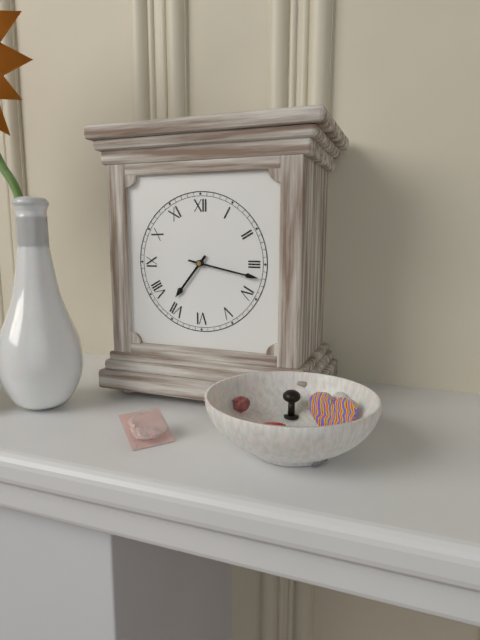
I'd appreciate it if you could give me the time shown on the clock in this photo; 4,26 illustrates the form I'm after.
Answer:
7,17
